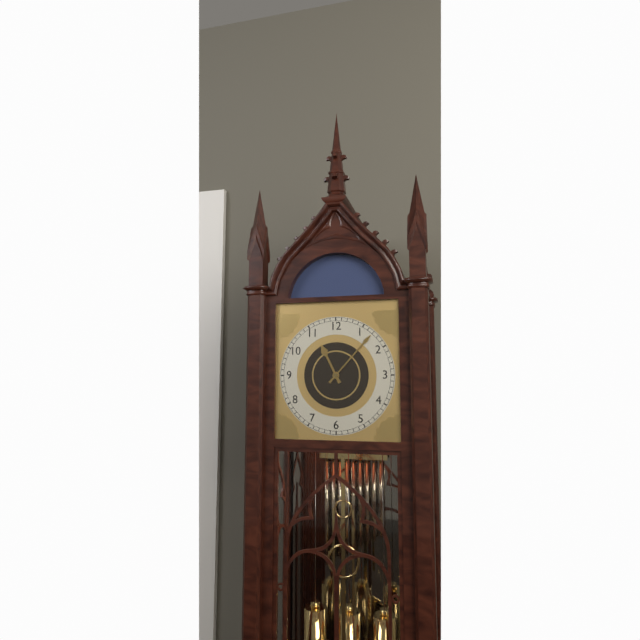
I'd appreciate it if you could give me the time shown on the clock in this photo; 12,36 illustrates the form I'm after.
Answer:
11,07
